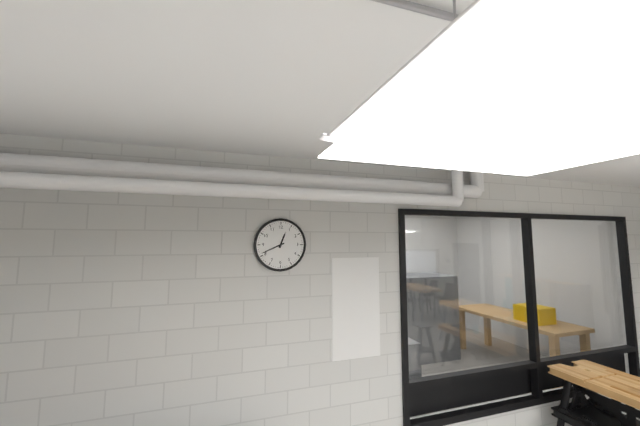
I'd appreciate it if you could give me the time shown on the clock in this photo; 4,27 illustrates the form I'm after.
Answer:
12,41
